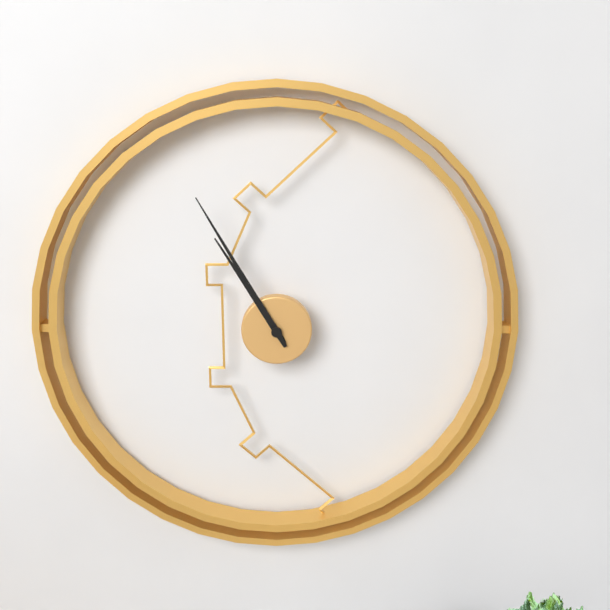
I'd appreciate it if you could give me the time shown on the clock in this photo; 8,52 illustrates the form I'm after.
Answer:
10,55
